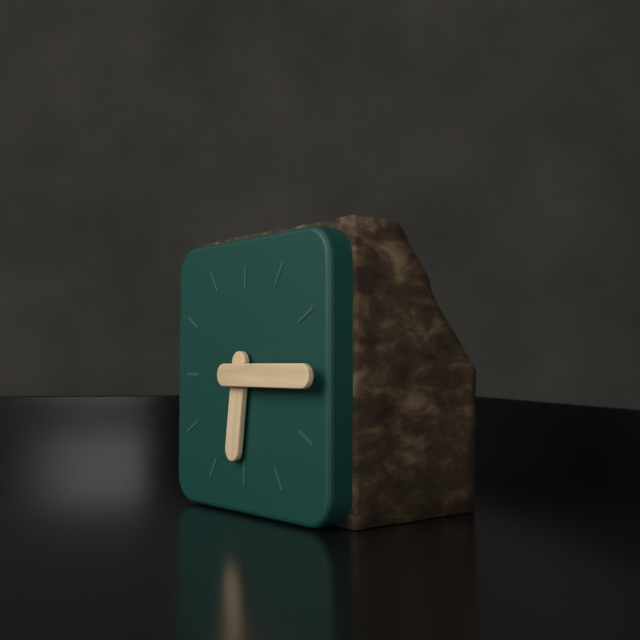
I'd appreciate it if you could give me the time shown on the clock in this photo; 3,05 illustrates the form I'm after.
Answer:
6,15
